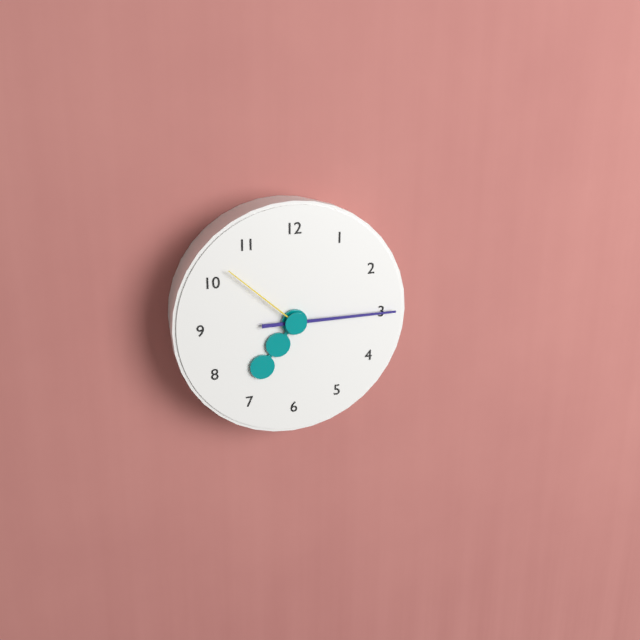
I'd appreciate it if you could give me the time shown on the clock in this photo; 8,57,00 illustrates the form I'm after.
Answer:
7,15,52
